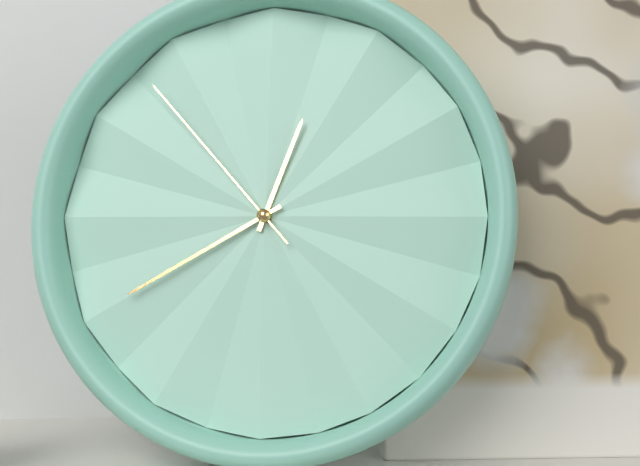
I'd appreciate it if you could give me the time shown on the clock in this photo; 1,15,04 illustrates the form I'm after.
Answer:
12,40,53
